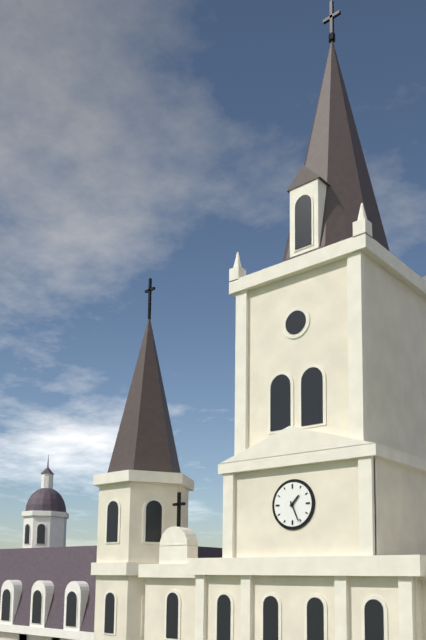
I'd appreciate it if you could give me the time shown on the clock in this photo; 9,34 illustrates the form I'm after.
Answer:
1,26
